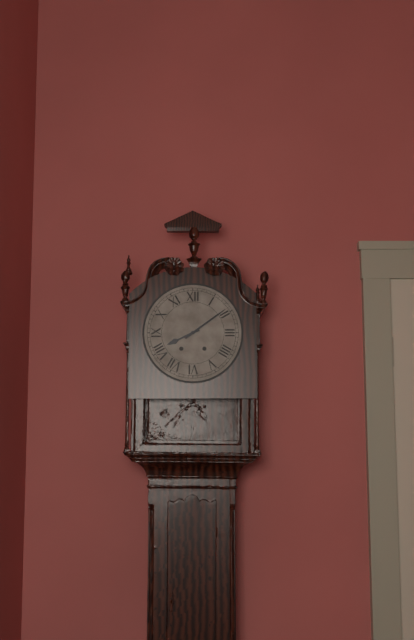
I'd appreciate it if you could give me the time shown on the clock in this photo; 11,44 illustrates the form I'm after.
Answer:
8,09
